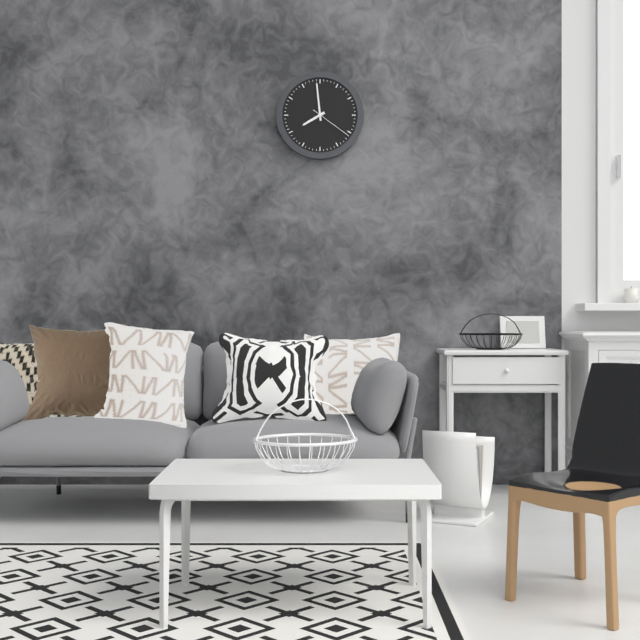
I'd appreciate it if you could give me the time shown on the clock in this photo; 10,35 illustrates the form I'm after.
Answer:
7,59
